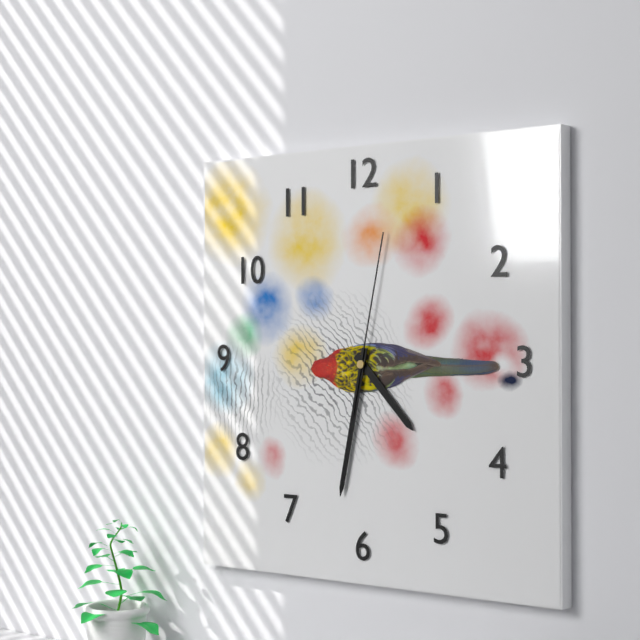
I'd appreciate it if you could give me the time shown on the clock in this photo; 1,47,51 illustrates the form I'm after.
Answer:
4,32,02
